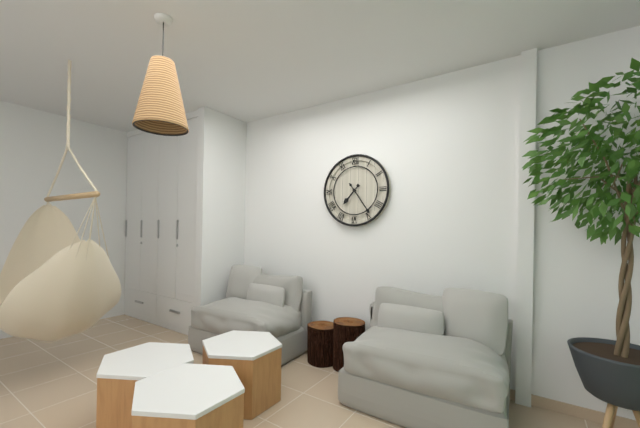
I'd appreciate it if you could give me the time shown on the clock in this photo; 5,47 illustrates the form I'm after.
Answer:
7,24
